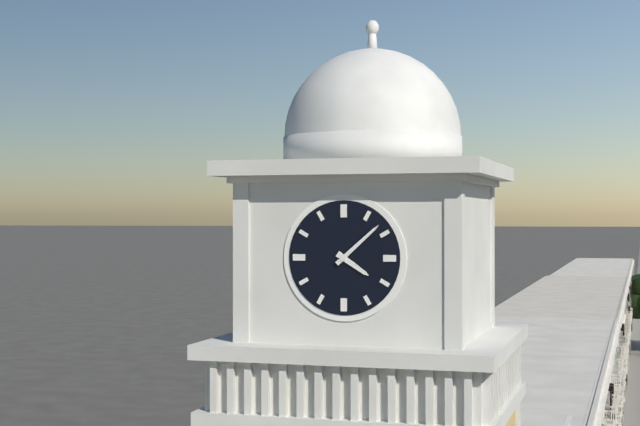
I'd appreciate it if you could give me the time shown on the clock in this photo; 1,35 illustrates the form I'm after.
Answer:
4,08
